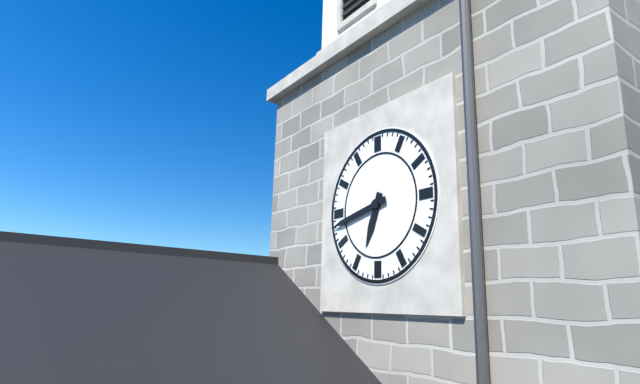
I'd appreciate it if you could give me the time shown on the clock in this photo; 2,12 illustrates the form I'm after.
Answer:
6,43
